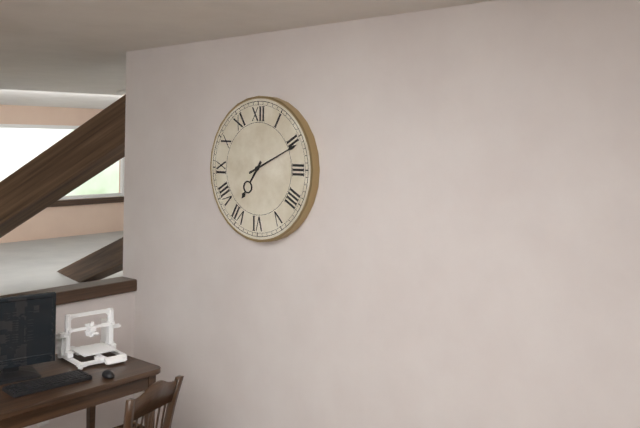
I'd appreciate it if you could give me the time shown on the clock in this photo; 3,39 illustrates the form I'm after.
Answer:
7,11
